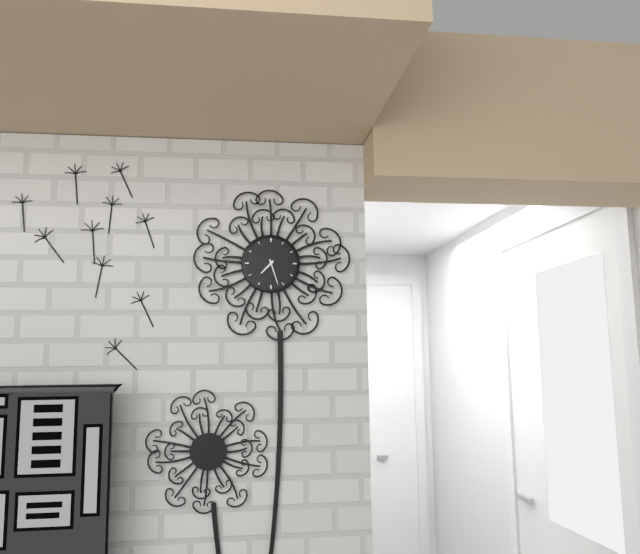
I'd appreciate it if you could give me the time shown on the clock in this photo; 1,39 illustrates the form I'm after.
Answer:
7,27
